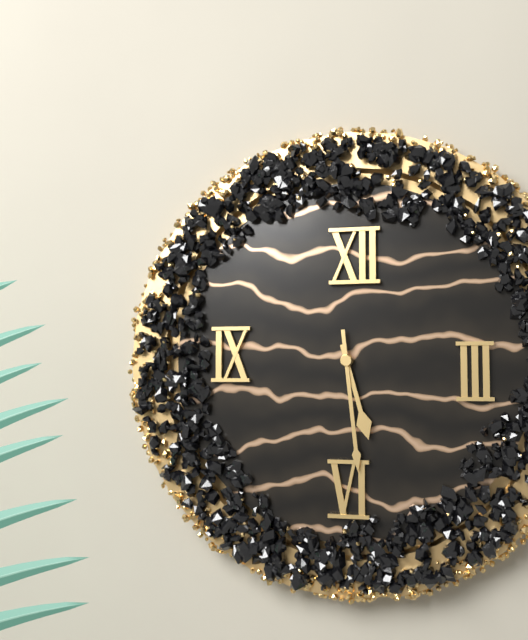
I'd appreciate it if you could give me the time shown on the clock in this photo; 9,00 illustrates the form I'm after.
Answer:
5,29
